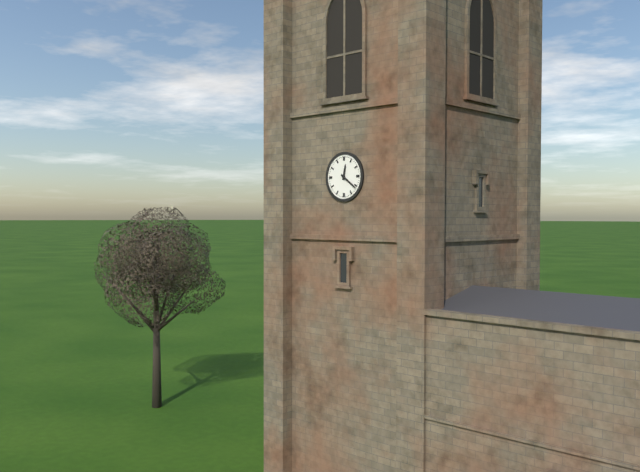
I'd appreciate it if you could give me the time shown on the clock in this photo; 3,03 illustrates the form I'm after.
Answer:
12,21
